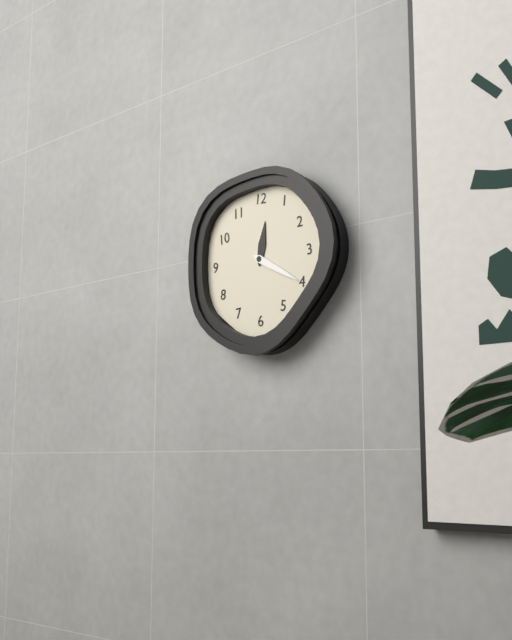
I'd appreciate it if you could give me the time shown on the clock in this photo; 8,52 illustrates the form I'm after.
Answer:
12,20
